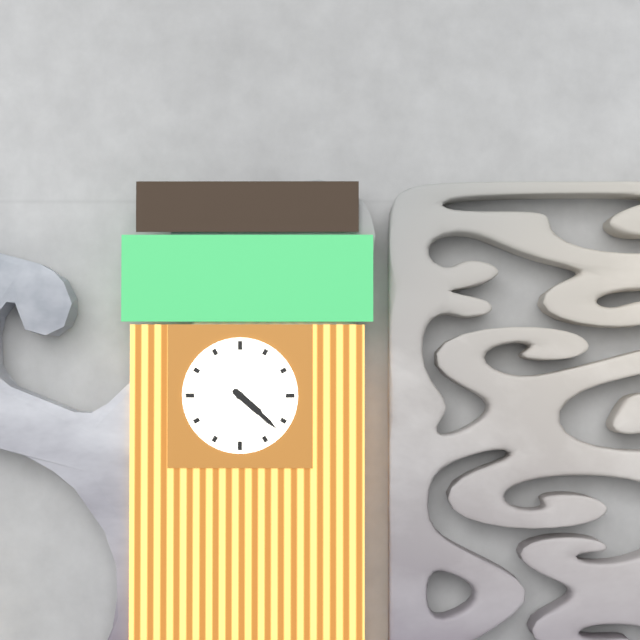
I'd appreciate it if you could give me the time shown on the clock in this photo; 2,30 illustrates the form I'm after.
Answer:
4,22
